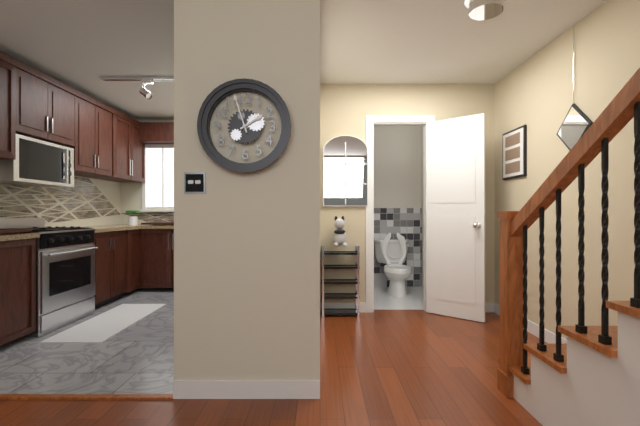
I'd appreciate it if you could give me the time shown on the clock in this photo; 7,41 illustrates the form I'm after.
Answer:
1,57
